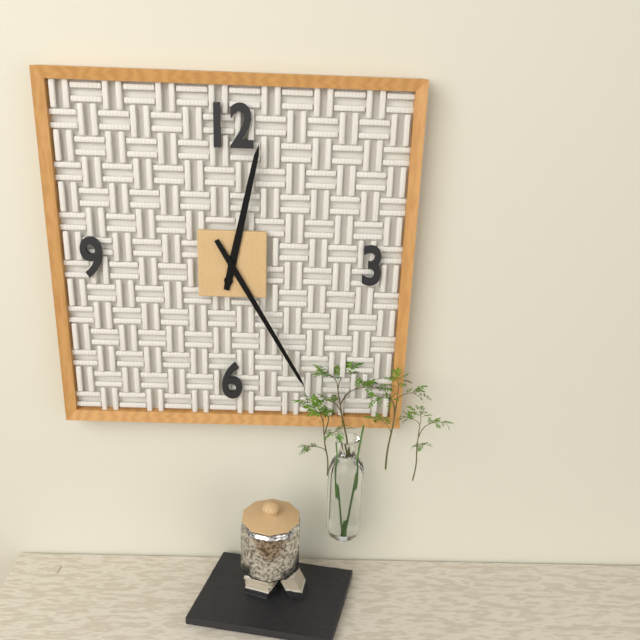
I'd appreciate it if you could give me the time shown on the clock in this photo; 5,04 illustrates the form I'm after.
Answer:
12,25
